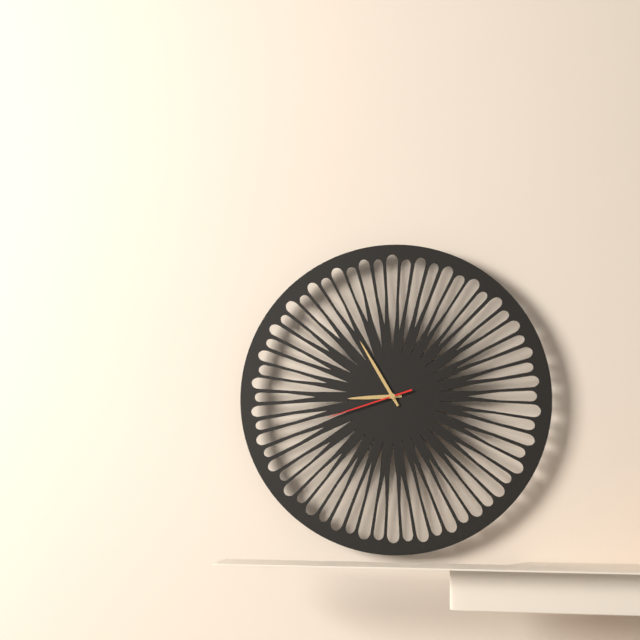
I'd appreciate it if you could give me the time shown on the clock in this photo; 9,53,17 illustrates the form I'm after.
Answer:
8,55,42
